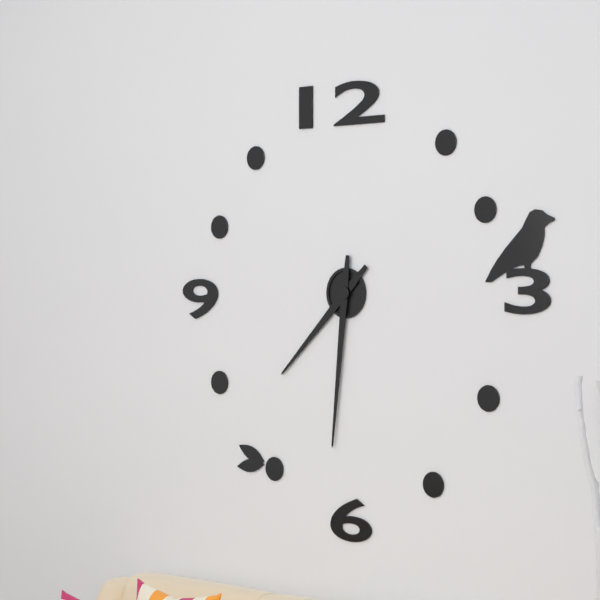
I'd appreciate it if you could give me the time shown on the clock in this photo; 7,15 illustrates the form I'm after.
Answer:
7,31
